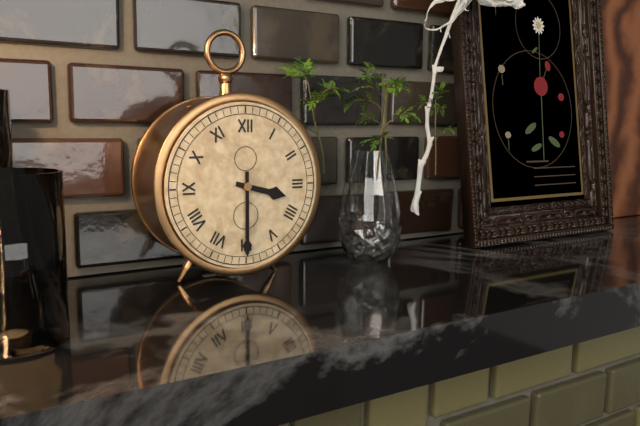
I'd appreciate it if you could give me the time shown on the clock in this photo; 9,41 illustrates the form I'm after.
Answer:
3,30
